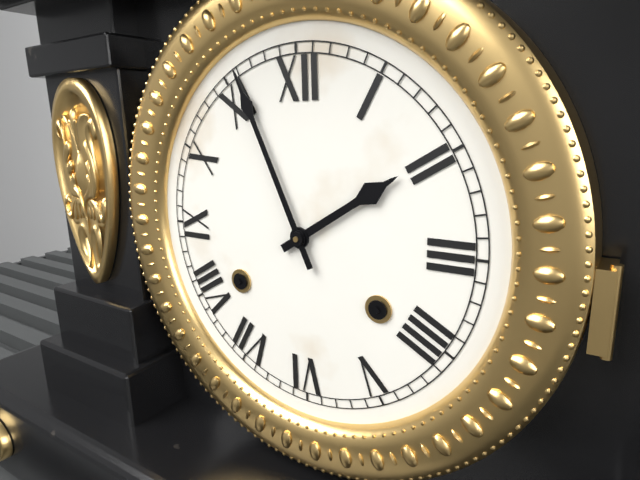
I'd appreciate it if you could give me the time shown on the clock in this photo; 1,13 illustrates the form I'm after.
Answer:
1,56
